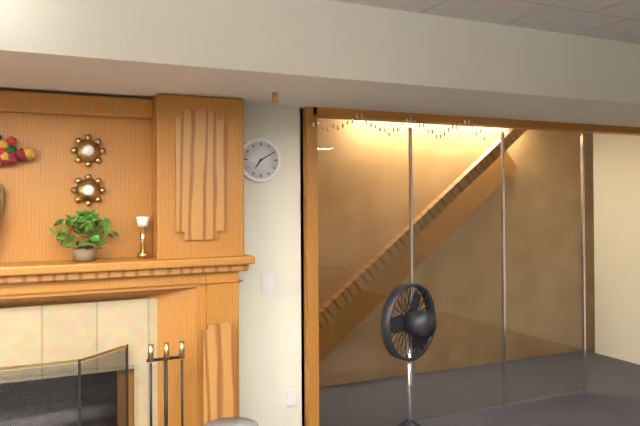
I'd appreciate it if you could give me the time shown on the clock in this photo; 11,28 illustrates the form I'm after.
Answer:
7,10
